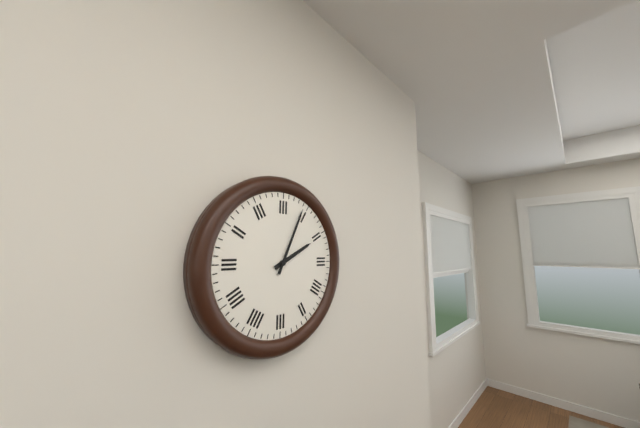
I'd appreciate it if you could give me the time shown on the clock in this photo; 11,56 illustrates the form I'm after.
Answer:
2,04
